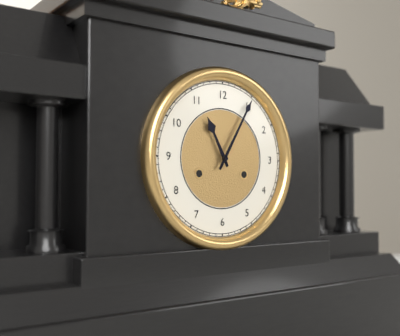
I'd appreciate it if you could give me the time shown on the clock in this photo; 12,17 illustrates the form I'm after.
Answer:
11,05
